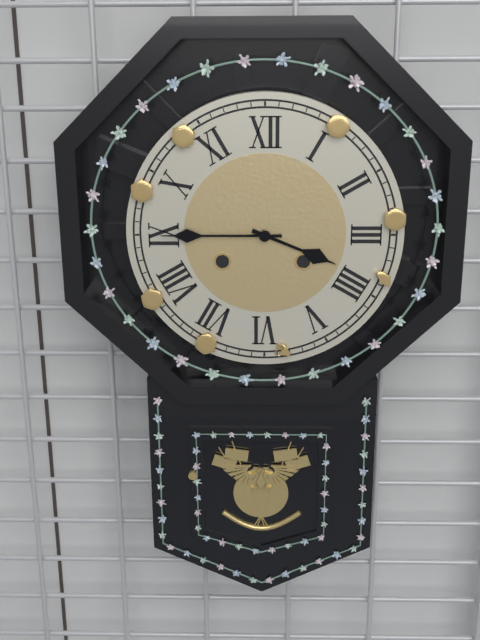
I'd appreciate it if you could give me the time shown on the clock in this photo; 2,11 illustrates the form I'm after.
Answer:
3,45
